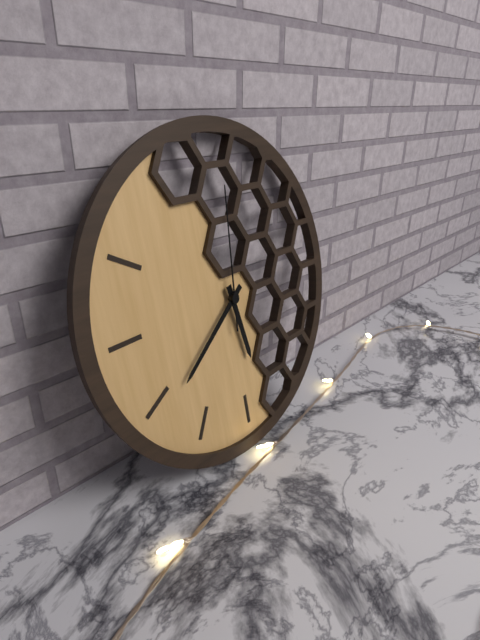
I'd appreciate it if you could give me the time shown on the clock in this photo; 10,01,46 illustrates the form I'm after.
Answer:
5,39,01
